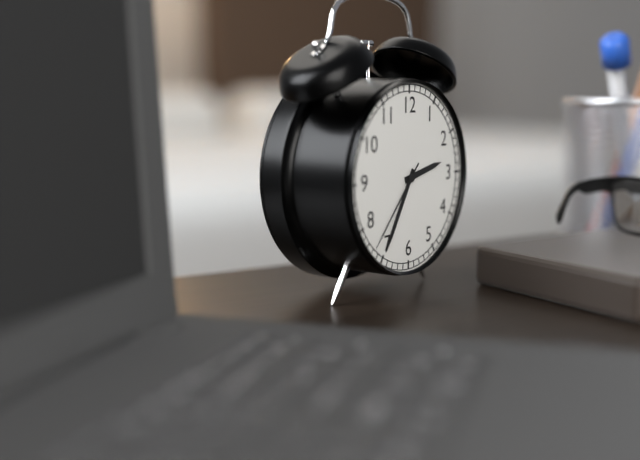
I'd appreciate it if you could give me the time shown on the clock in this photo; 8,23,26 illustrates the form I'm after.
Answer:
2,35,37
